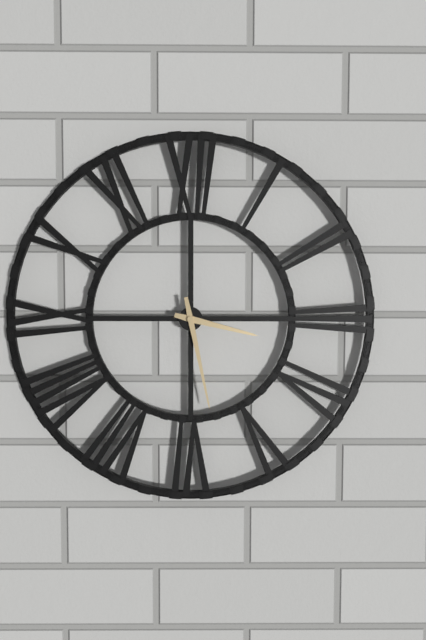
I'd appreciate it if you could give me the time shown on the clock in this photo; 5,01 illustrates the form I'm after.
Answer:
3,28
